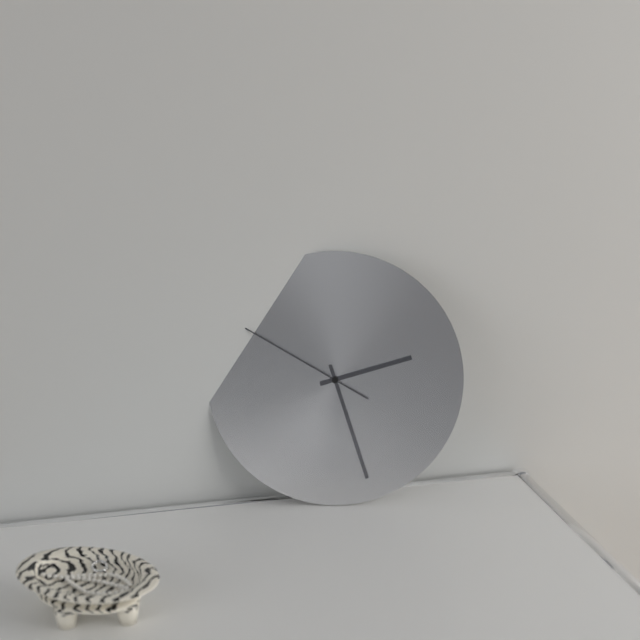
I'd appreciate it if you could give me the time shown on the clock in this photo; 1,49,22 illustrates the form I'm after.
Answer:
2,27,50
